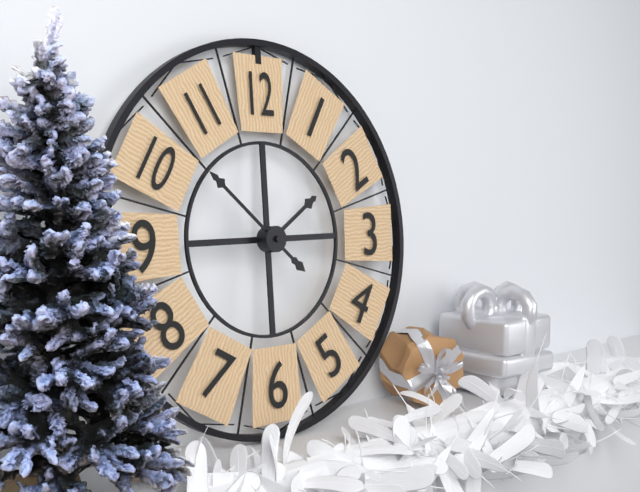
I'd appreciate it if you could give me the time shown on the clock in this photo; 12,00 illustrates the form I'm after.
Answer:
1,52
